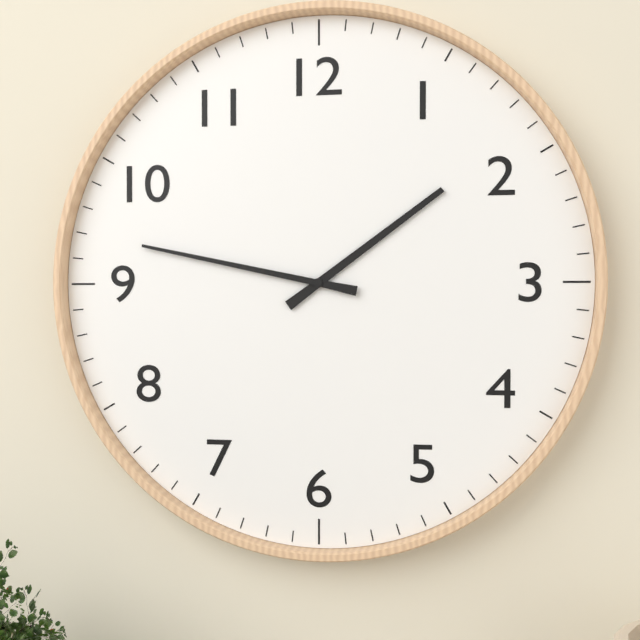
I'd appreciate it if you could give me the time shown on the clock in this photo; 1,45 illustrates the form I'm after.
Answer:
1,47
